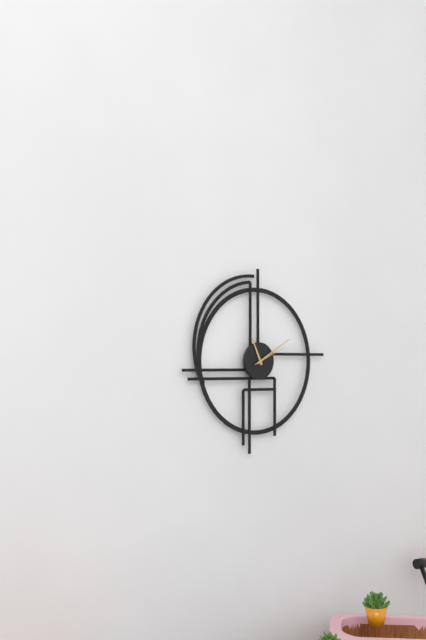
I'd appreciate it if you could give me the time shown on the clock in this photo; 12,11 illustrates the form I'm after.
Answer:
11,10
